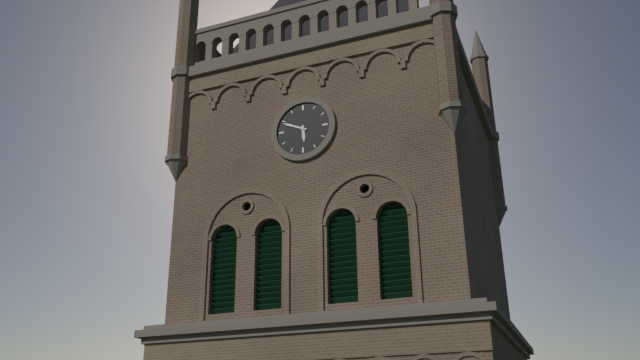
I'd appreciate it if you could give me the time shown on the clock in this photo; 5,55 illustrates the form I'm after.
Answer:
5,49
